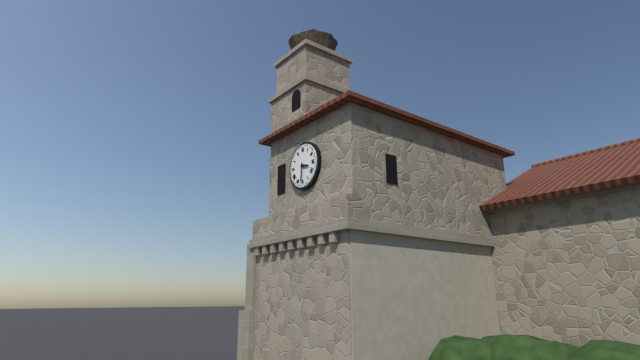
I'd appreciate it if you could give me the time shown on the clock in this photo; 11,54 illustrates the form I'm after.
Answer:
3,31
